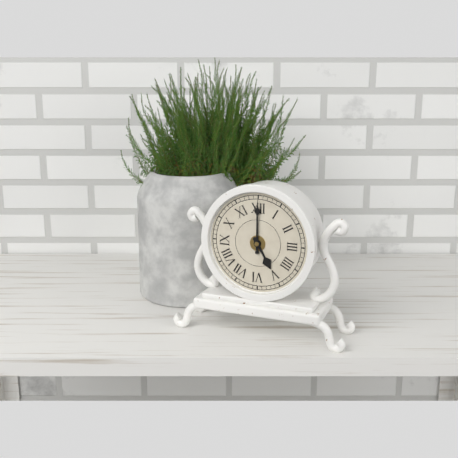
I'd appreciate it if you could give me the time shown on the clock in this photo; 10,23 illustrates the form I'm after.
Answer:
5,00
